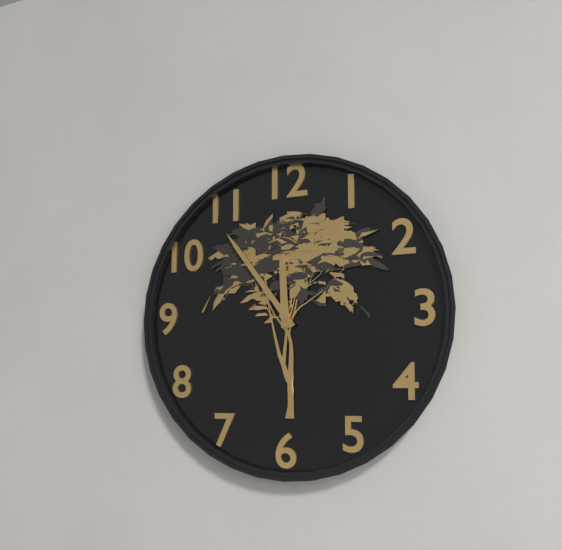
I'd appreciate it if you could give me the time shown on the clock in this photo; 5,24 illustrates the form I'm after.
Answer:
11,54
